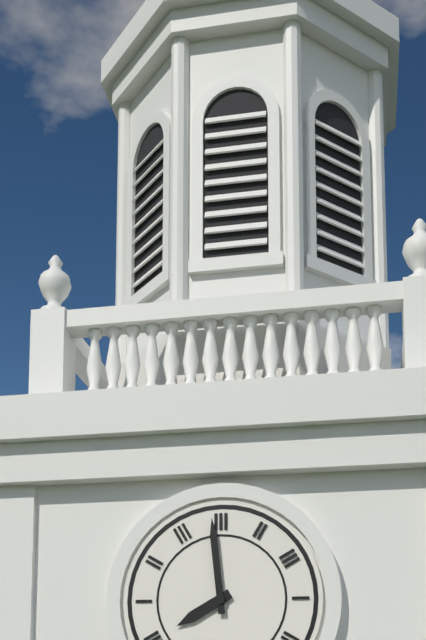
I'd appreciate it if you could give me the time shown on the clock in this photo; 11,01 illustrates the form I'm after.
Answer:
7,59
